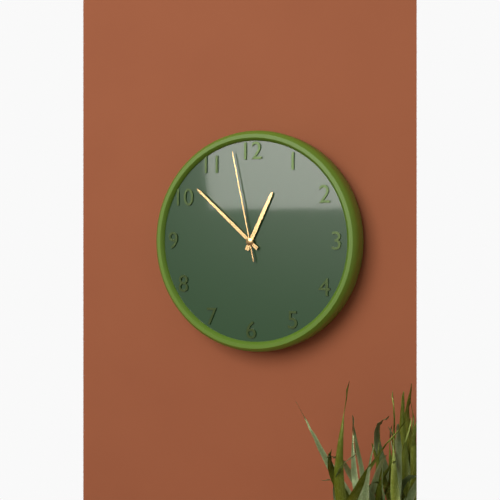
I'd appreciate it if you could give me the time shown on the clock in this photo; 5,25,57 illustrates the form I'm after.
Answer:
12,52,58
